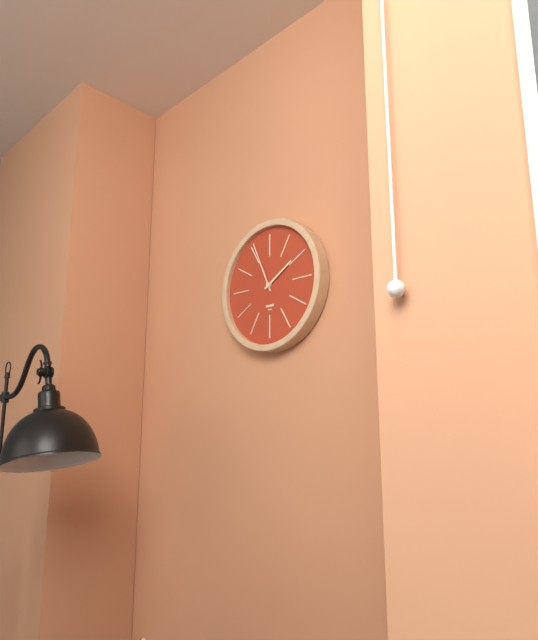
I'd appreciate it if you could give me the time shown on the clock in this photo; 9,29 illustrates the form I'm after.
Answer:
1,56
